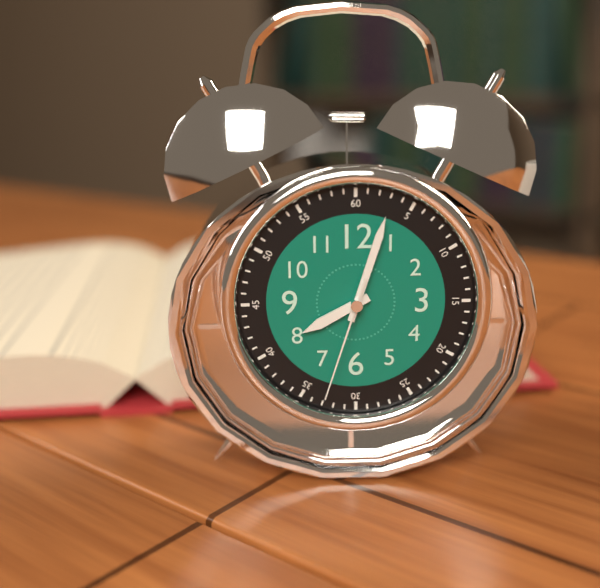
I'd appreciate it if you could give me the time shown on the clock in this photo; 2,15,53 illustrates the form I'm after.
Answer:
8,03,33
